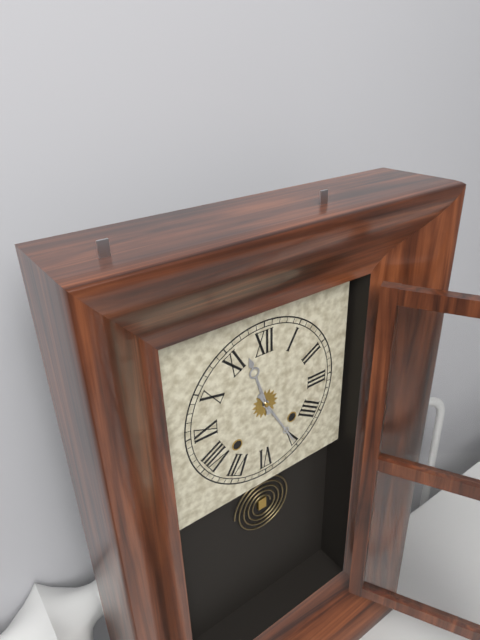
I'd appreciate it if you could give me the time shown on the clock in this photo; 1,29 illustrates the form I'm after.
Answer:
11,25
